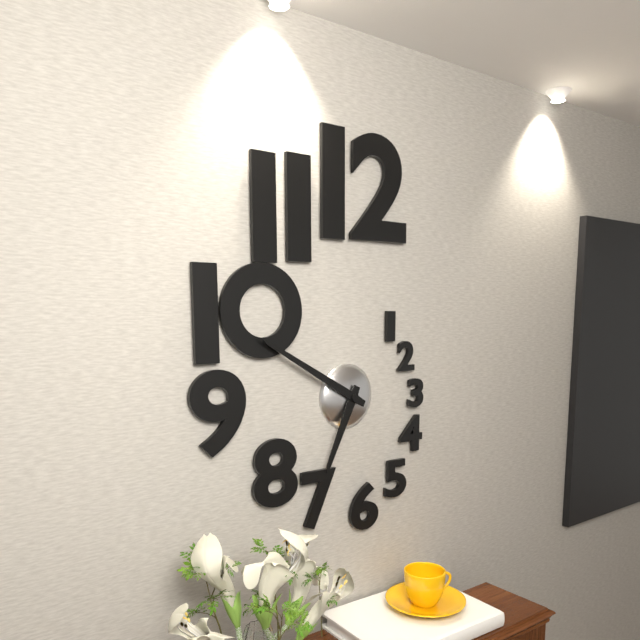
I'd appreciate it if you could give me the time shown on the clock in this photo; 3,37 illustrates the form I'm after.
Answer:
6,50
